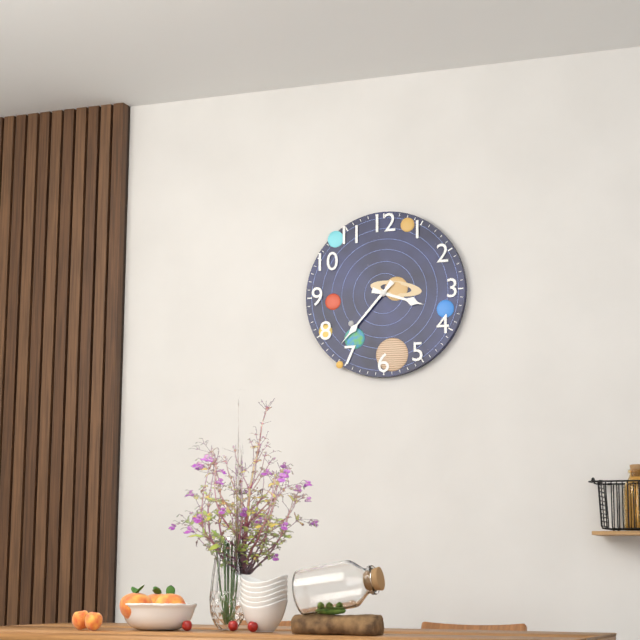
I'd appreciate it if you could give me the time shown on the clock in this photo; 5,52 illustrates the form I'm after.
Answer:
3,37
